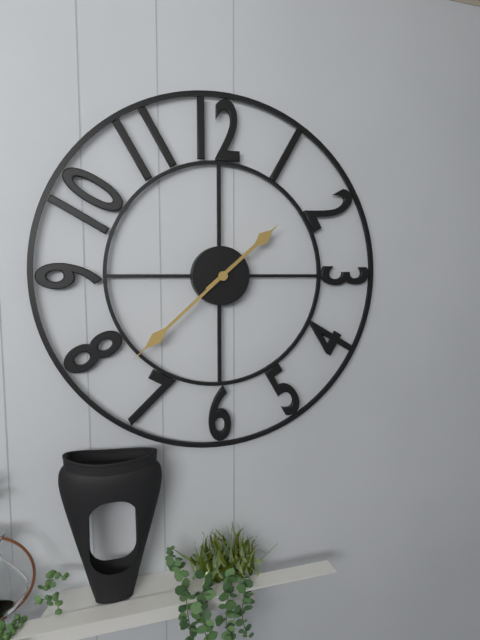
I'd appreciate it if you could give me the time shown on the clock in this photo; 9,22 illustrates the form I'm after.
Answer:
1,38
